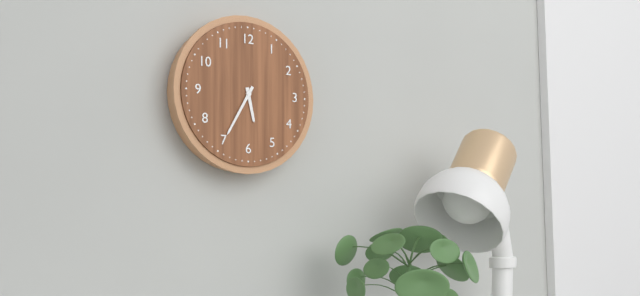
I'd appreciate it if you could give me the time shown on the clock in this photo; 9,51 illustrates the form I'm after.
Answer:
5,35
